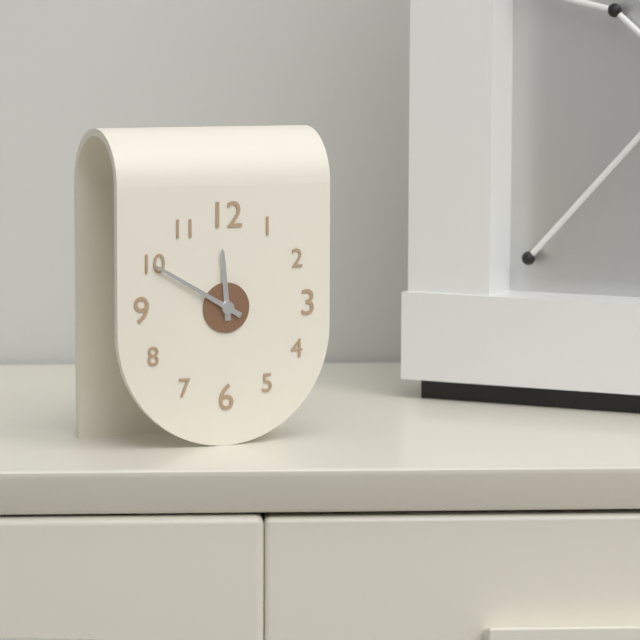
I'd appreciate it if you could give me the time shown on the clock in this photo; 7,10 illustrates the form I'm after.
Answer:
11,50
